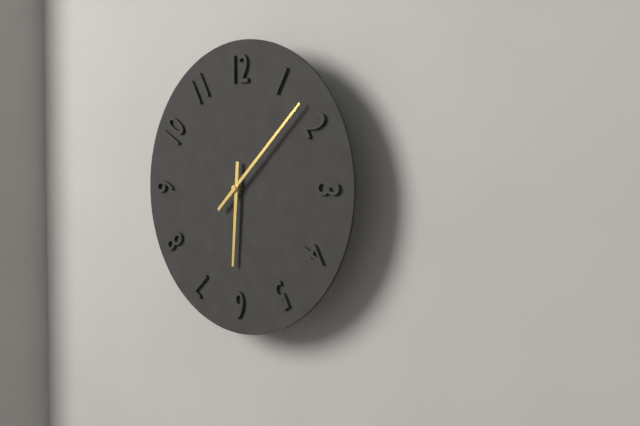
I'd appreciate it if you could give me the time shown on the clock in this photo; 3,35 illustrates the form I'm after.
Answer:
6,08
